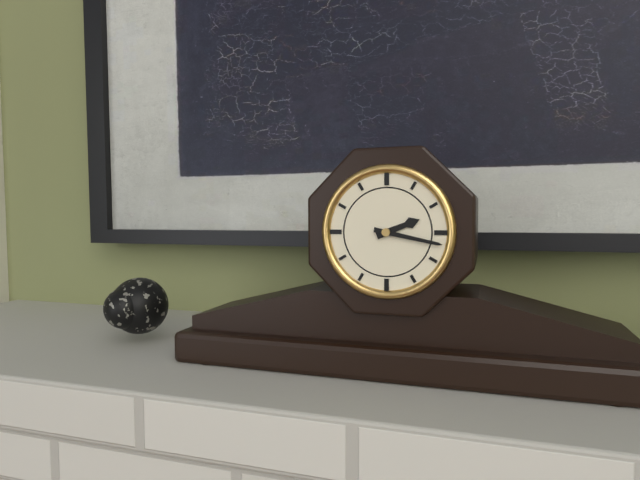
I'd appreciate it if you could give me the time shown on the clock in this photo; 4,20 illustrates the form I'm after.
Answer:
2,17
